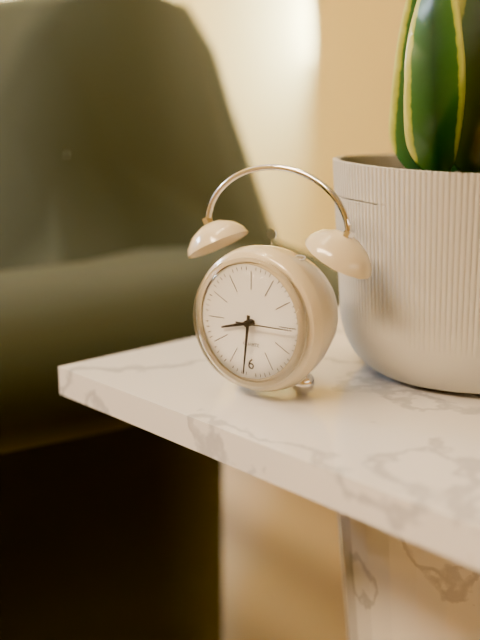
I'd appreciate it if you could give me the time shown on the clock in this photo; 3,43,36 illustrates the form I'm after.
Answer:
8,31,15
